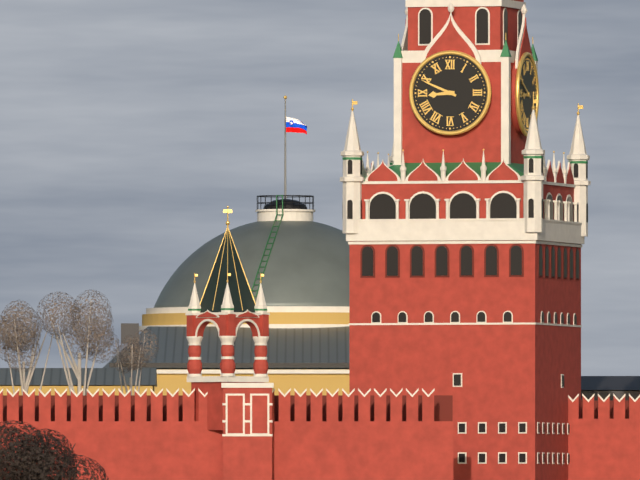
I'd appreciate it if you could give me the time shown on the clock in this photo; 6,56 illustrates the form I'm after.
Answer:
8,49
